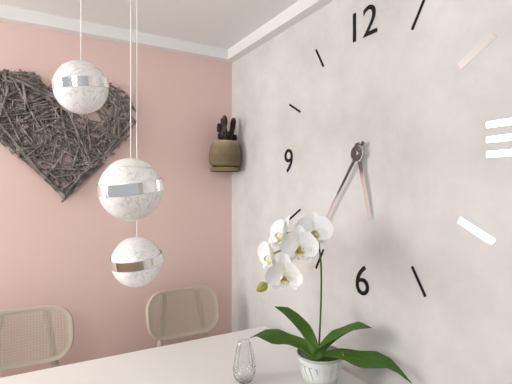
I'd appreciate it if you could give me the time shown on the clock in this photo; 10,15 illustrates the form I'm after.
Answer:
5,36
